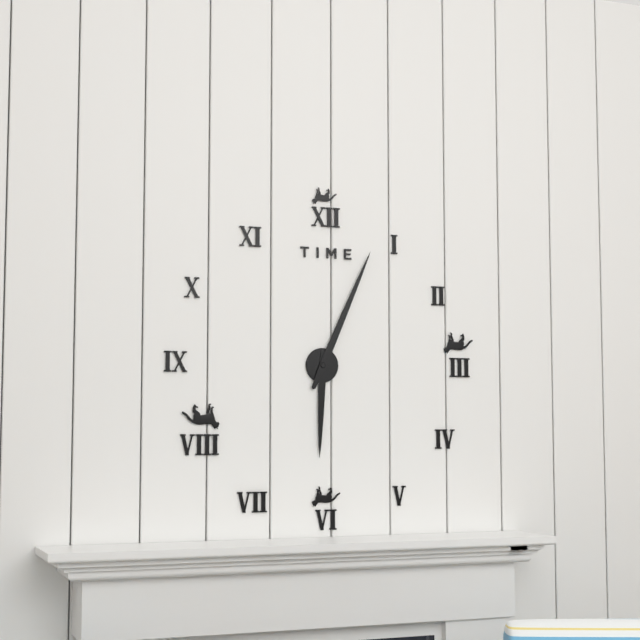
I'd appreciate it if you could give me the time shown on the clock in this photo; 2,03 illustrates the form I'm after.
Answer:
6,04
